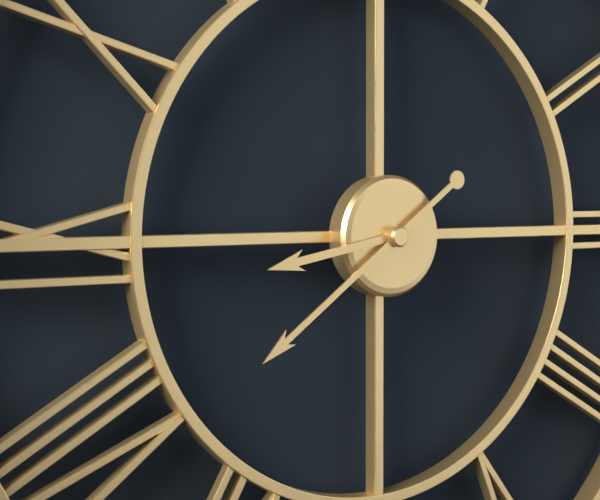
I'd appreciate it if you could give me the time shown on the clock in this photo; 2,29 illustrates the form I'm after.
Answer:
8,39
